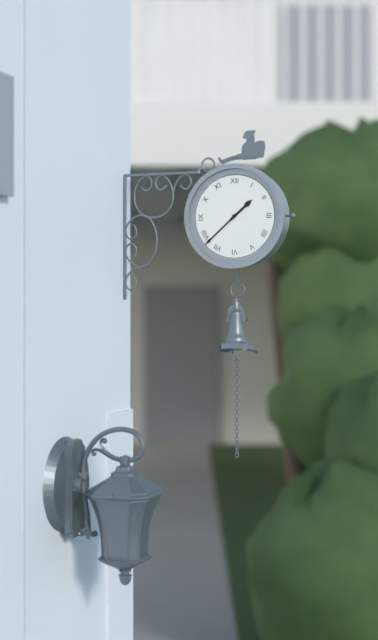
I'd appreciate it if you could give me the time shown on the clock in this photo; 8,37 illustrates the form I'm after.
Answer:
1,38
